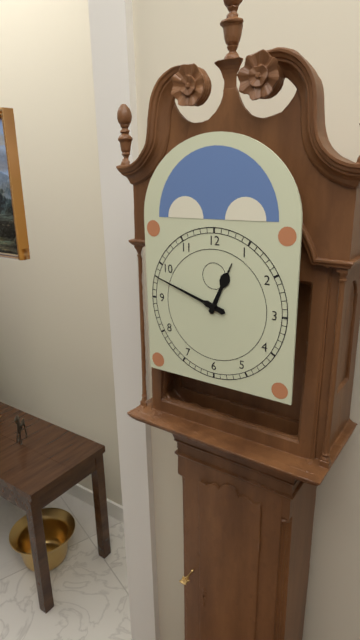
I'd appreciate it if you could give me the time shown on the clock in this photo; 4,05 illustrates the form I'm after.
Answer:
12,48
